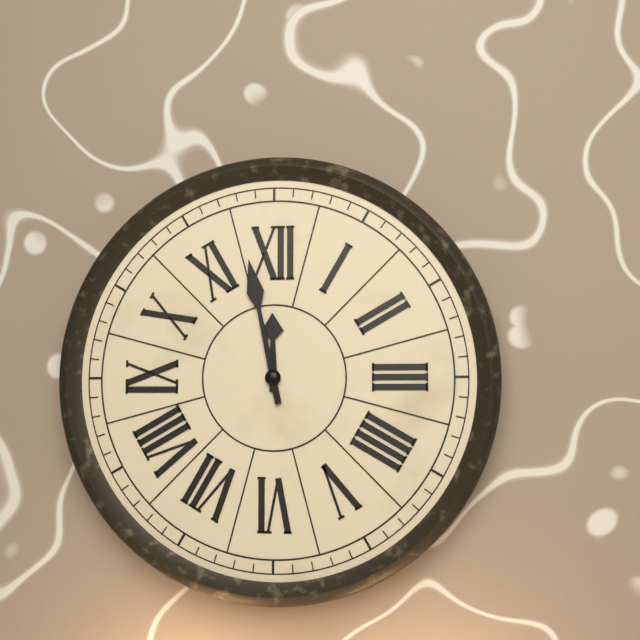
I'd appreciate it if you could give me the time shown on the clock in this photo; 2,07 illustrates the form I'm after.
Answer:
11,58
